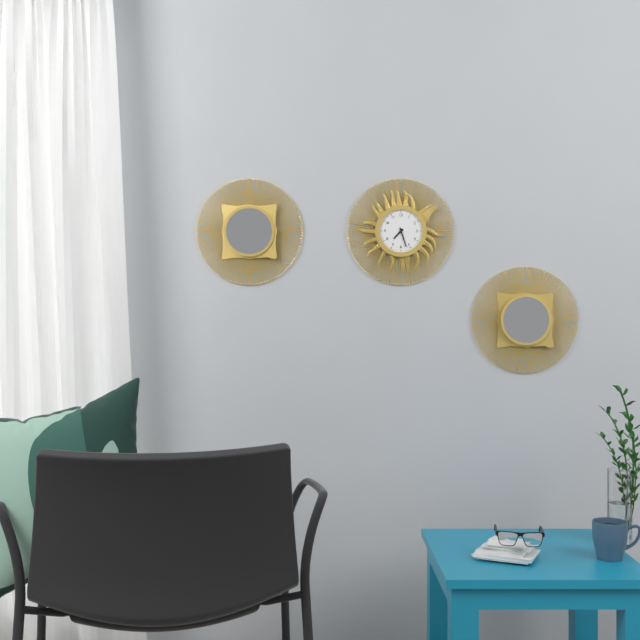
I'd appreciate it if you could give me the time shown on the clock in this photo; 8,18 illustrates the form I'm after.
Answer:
7,27
